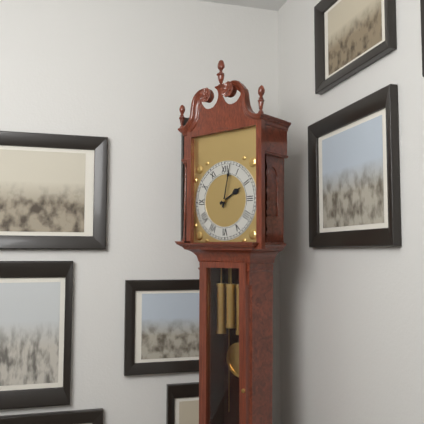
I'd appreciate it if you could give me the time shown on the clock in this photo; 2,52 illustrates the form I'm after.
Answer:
2,02
